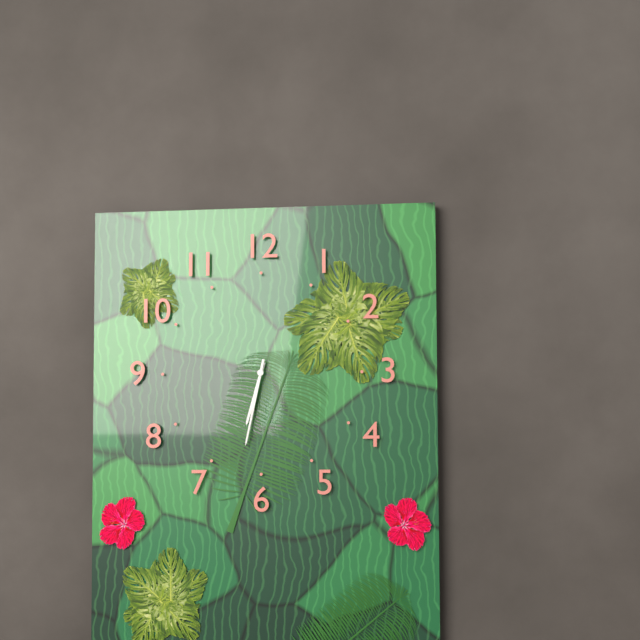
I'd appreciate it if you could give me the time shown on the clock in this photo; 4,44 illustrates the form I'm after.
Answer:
6,32
